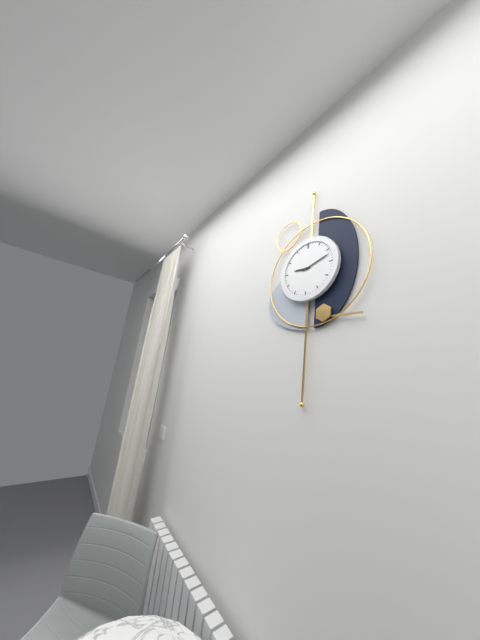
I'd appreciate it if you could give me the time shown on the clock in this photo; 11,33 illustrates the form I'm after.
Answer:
9,12
